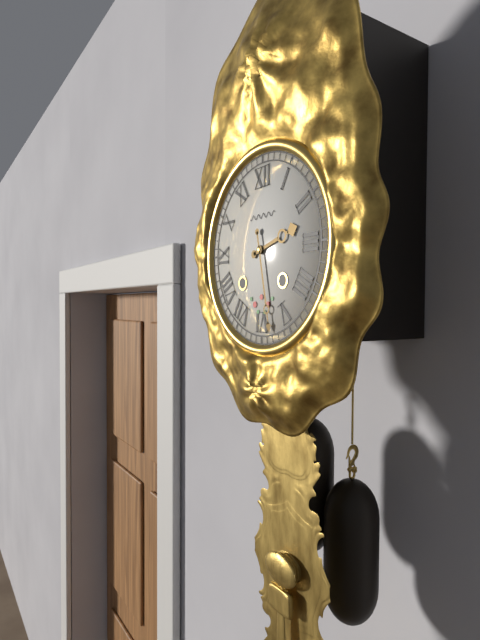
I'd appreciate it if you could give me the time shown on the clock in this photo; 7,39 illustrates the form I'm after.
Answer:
2,28
